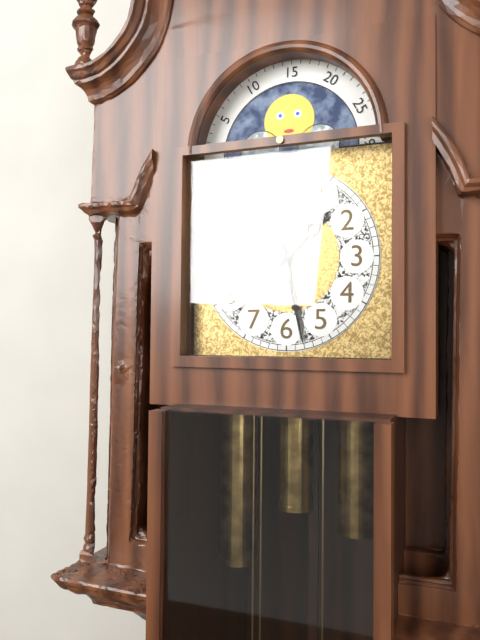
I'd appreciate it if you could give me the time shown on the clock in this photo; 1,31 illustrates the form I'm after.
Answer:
1,28
